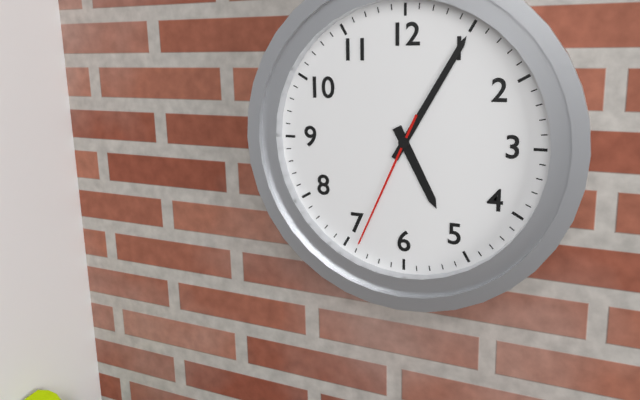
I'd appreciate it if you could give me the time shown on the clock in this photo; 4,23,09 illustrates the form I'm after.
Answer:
5,05,34
